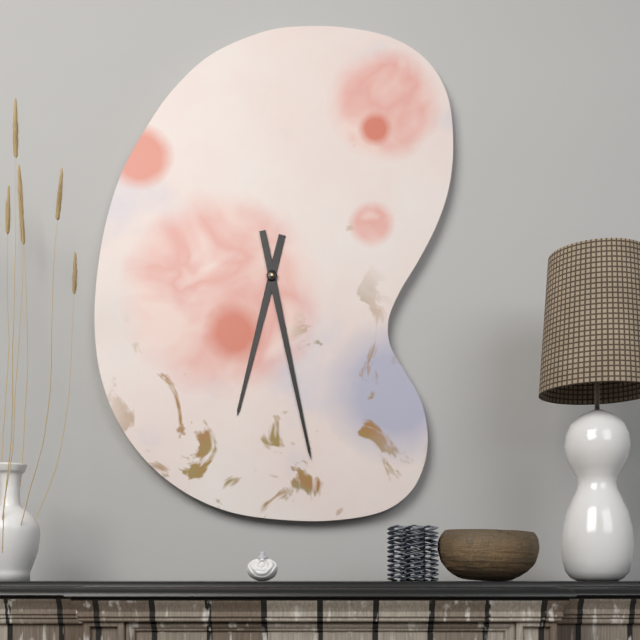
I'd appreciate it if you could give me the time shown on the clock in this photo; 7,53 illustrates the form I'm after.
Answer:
6,28
